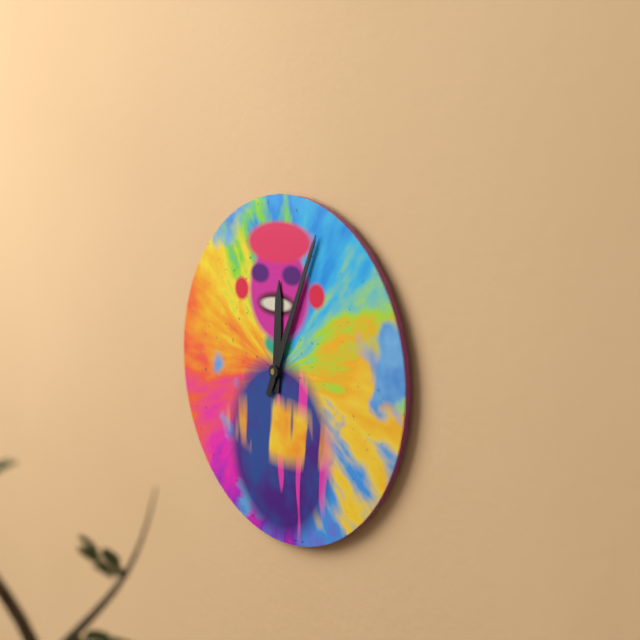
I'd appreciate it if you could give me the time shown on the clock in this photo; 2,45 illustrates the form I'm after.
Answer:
12,04
